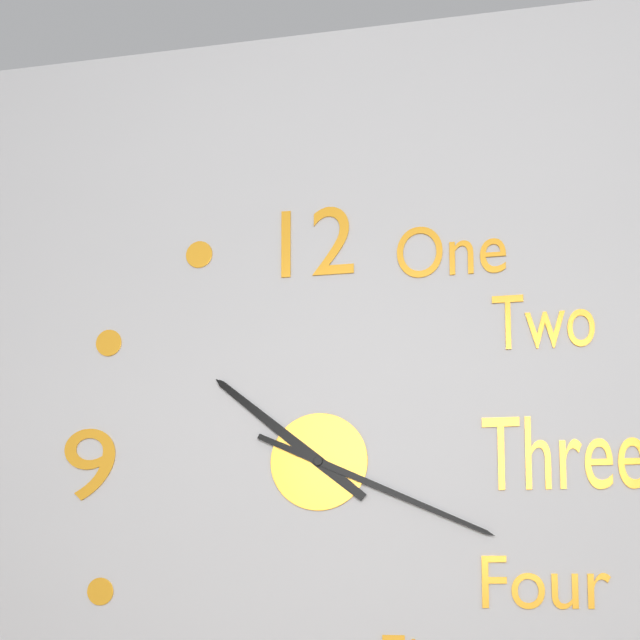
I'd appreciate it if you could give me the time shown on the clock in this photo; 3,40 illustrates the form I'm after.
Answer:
10,19
